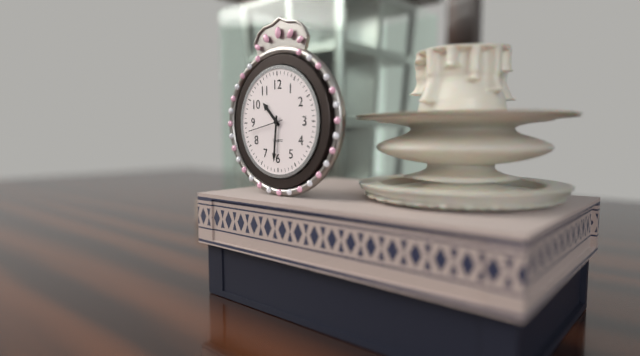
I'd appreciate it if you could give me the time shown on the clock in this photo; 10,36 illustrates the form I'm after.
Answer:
10,31
